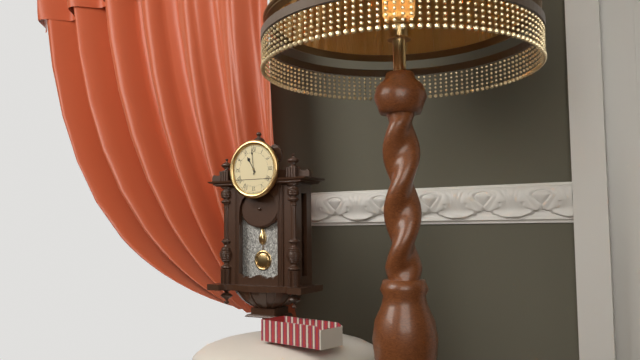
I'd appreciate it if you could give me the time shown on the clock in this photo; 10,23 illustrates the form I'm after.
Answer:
10,59
